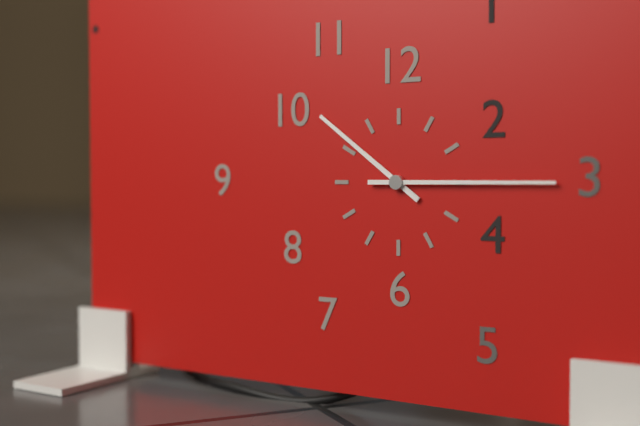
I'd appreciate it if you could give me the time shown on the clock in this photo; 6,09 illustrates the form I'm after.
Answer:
10,15
